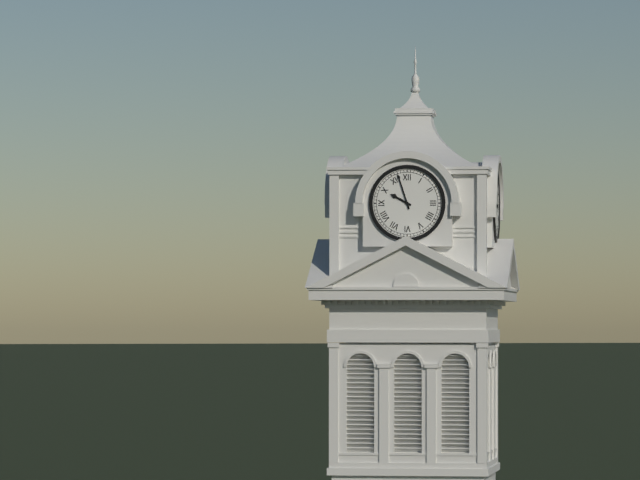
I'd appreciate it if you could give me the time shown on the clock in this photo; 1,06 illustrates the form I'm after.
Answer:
9,57
